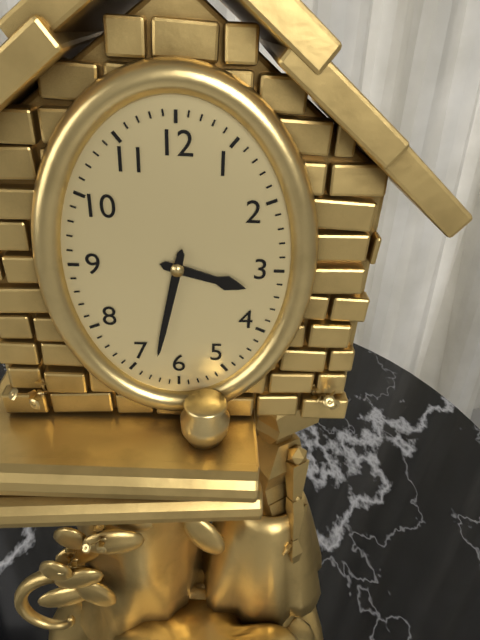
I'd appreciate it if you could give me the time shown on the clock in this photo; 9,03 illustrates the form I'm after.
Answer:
3,32
